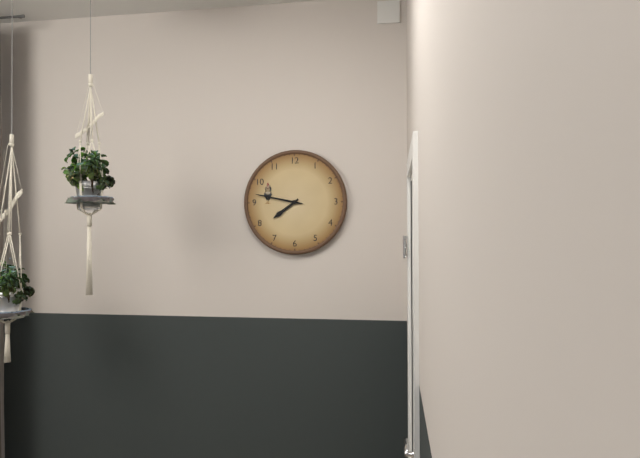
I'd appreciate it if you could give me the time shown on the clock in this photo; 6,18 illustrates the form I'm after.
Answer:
7,47
